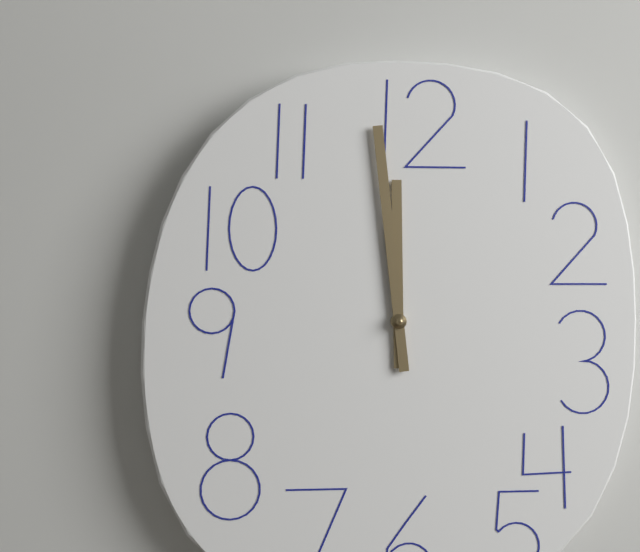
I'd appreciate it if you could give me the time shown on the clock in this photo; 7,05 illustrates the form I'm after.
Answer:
11,59
